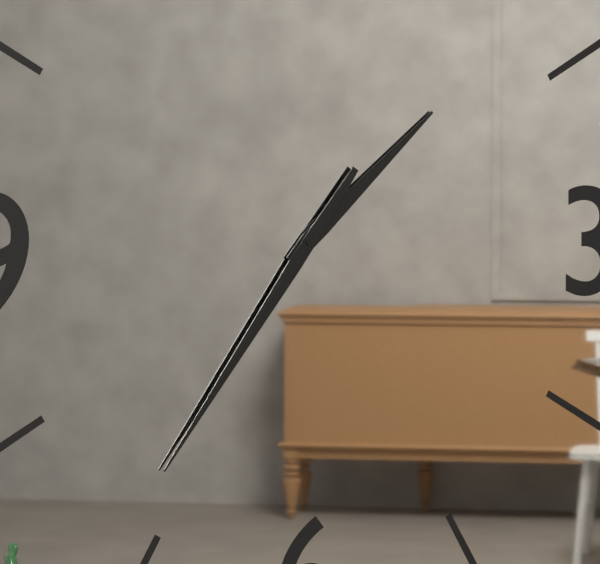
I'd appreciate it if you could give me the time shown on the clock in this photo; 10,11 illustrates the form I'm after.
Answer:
1,36
